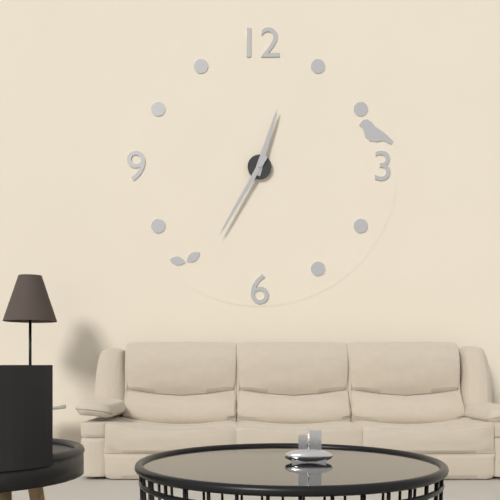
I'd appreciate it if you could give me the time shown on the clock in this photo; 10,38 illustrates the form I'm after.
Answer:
12,35
